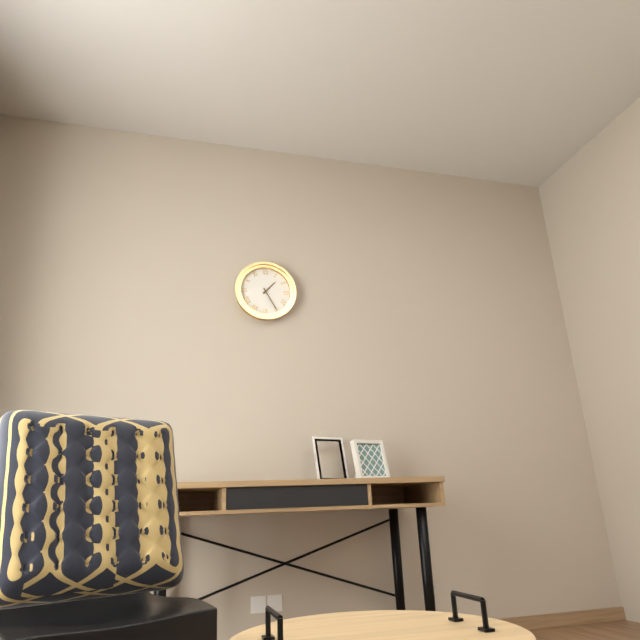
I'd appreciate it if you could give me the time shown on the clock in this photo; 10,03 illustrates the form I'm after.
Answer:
1,25
